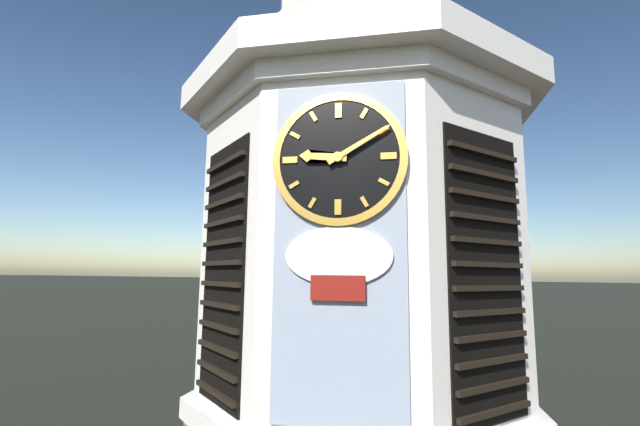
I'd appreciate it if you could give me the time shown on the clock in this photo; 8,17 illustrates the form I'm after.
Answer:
9,10
